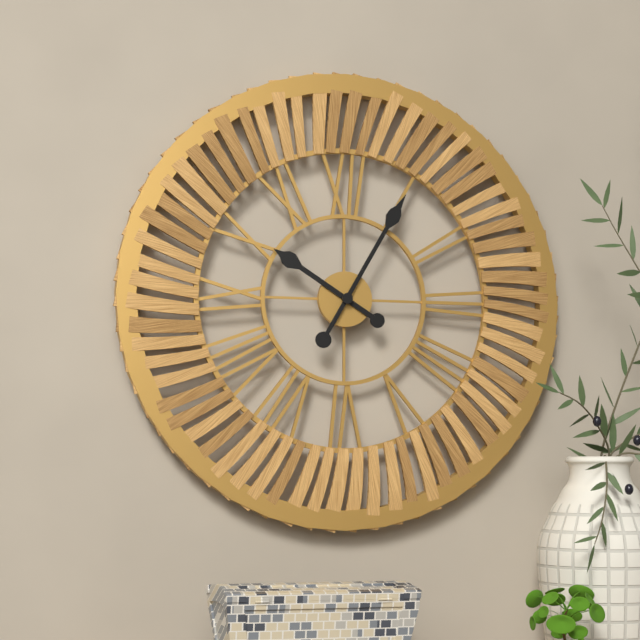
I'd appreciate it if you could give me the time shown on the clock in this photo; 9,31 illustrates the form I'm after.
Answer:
10,05
